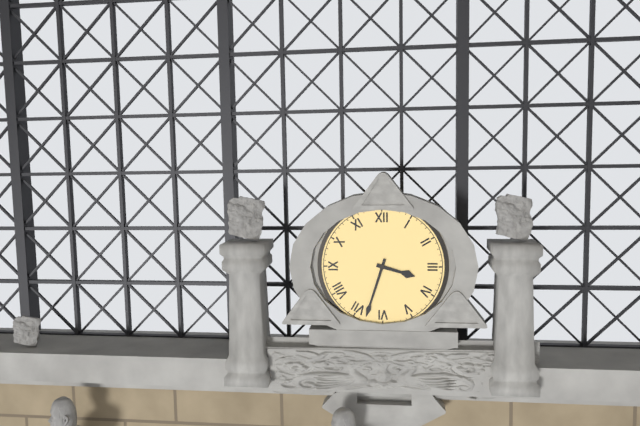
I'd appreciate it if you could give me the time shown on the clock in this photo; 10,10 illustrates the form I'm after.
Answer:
3,33
